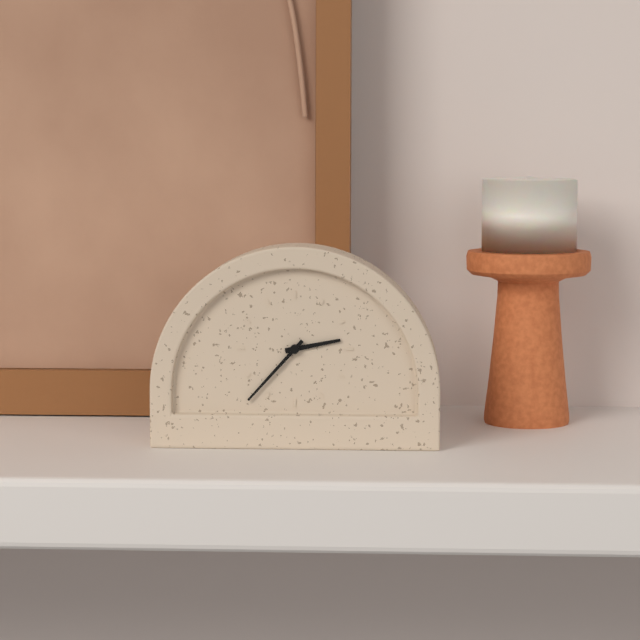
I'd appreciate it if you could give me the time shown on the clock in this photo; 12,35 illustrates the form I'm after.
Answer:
2,37
